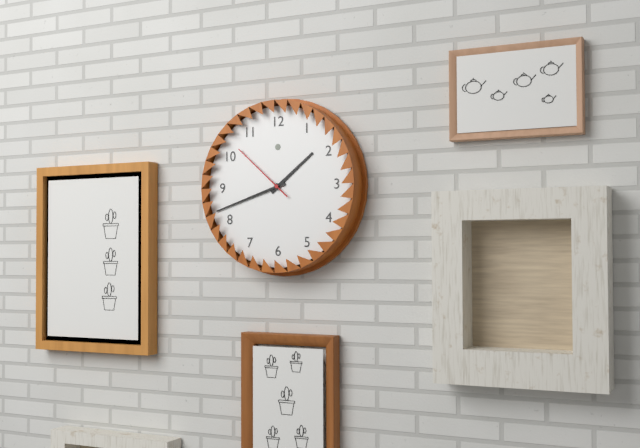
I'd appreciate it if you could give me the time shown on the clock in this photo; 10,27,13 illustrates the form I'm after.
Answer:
1,42,52
